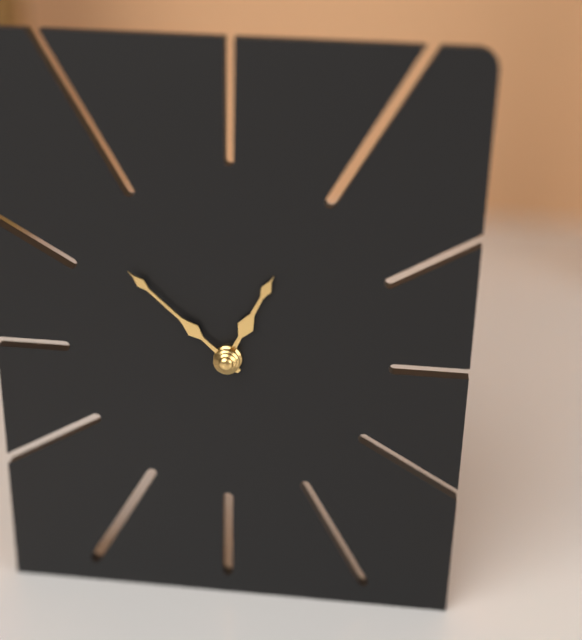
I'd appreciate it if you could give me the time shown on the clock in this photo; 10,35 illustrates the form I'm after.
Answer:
12,52
